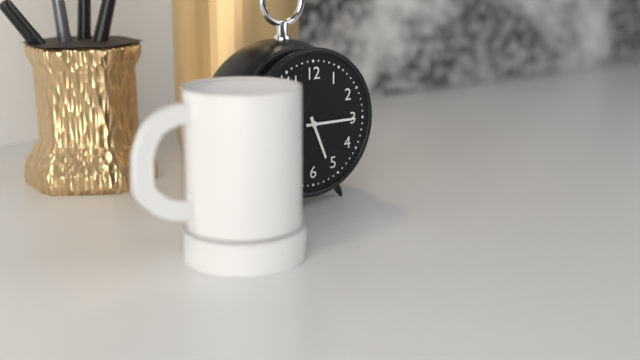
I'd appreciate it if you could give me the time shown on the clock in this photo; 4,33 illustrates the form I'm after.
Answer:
5,15
